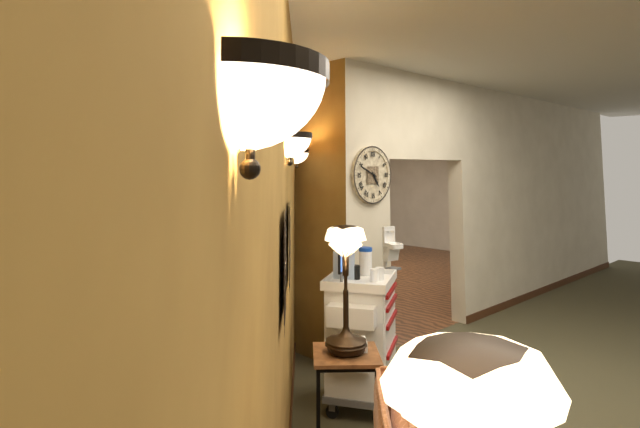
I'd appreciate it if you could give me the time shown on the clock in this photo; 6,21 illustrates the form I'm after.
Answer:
4,49
